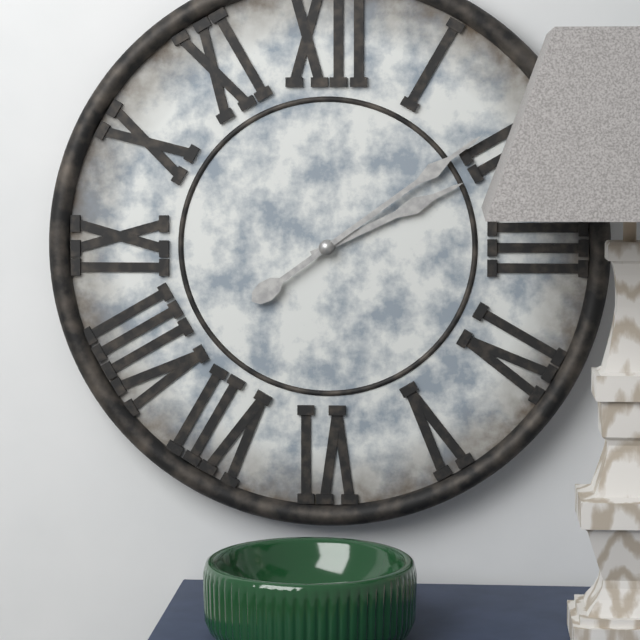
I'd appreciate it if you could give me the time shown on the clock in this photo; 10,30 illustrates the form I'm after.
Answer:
2,09
